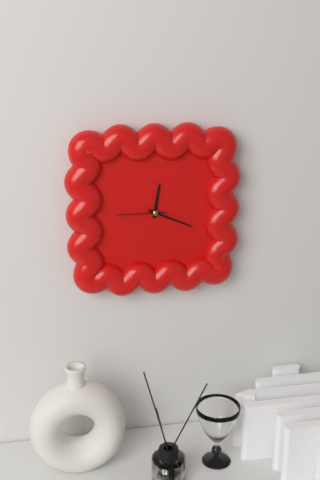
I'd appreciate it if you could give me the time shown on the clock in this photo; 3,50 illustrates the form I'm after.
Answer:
12,19
